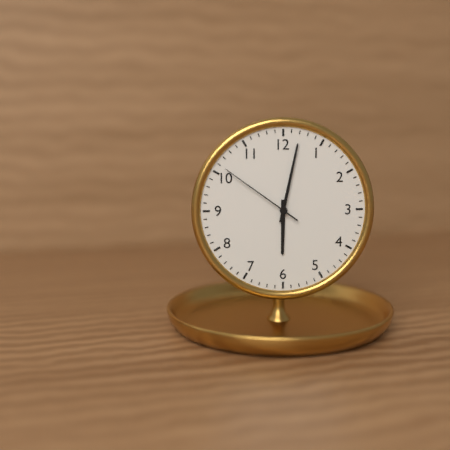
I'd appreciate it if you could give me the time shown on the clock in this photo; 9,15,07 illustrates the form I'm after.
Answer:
6,02,51
